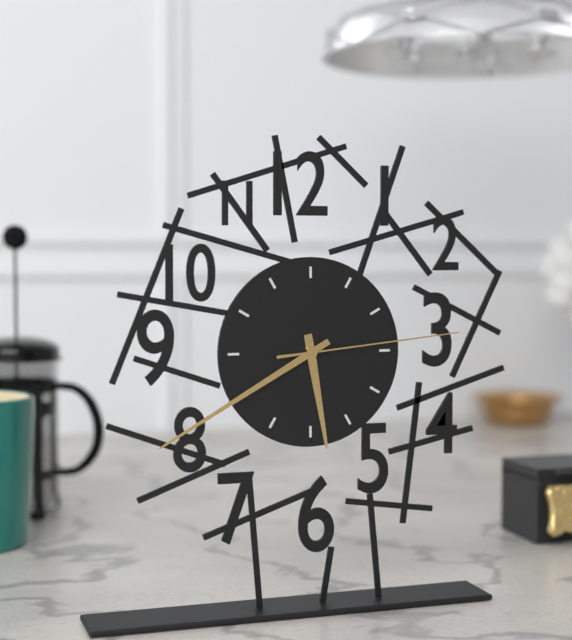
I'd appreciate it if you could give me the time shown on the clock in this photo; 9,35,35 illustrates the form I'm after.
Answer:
5,40,14
